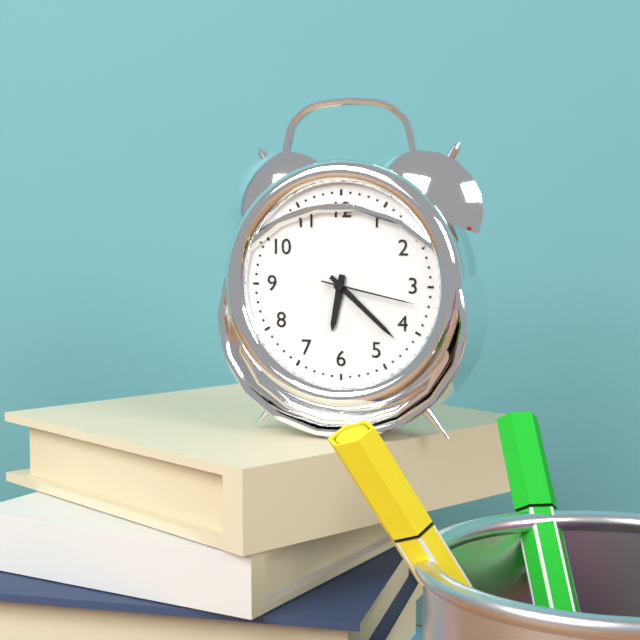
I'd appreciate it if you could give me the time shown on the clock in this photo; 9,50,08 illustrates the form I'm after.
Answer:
6,22,17
